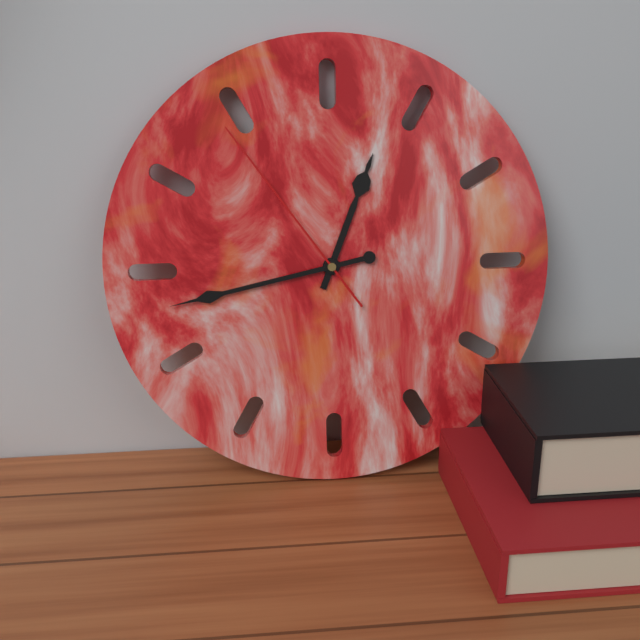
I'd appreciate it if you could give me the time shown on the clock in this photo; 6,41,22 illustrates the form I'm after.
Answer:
12,43,54
